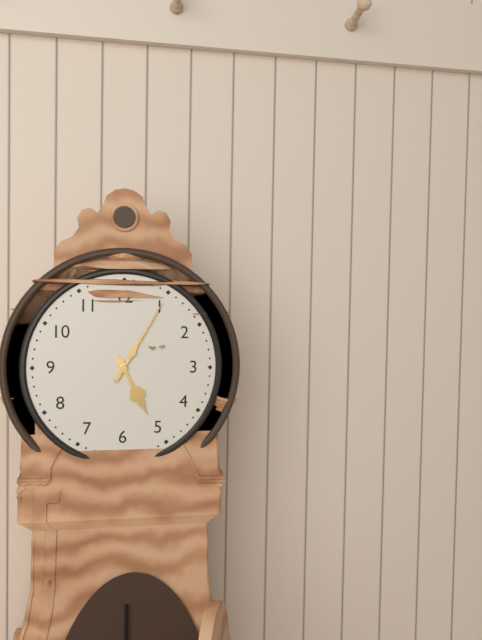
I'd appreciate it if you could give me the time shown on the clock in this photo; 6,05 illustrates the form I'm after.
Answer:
5,05
